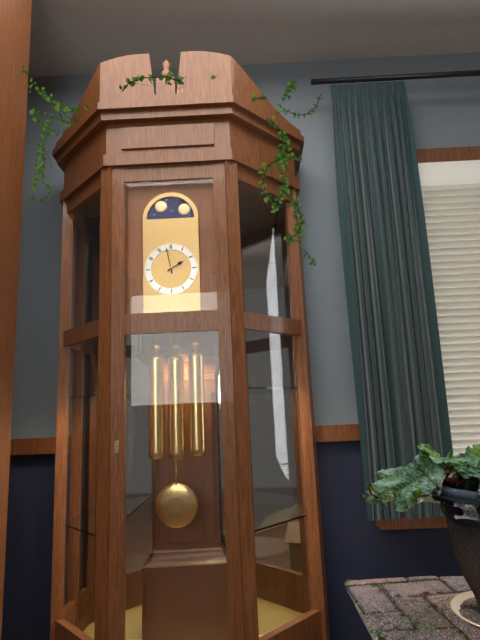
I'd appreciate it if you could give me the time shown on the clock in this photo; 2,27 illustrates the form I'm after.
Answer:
1,58
